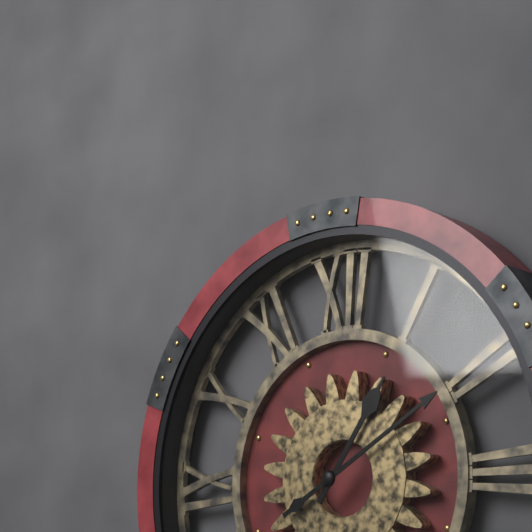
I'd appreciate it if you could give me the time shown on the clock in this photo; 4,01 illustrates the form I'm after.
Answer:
1,10
